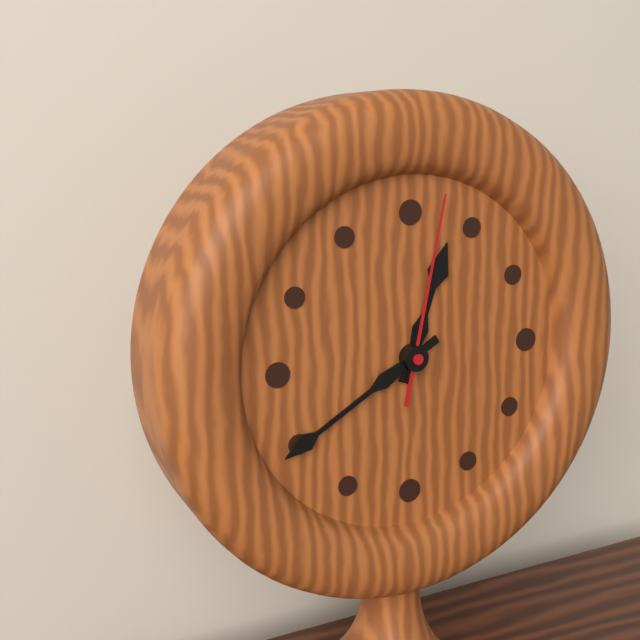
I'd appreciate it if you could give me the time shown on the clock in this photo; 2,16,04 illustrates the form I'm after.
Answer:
12,40,02
